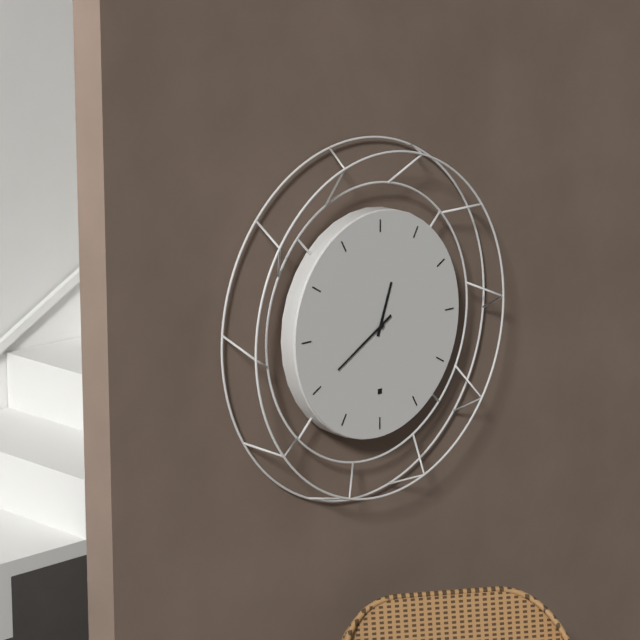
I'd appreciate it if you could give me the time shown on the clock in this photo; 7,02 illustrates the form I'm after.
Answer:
12,40
